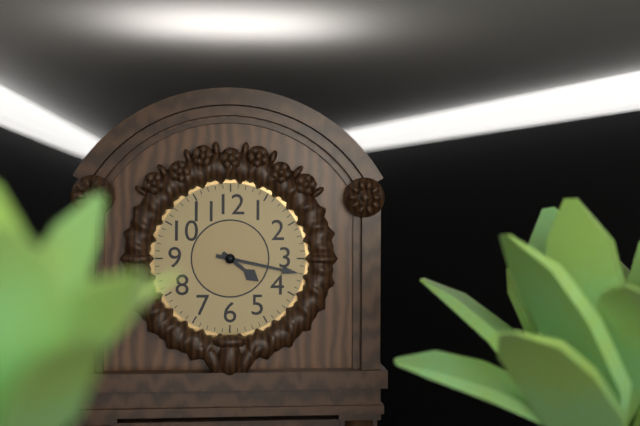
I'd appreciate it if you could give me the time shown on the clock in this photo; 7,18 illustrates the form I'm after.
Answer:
4,17
